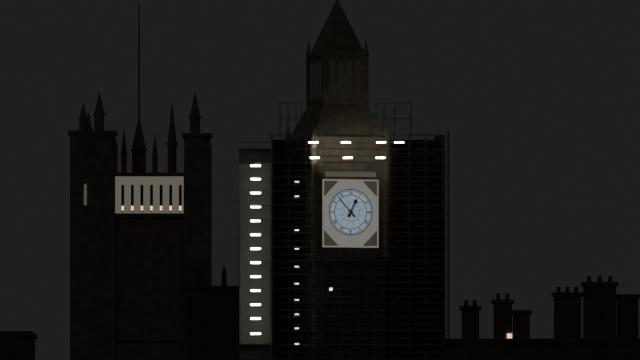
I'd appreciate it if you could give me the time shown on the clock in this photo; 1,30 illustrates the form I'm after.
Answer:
12,53
